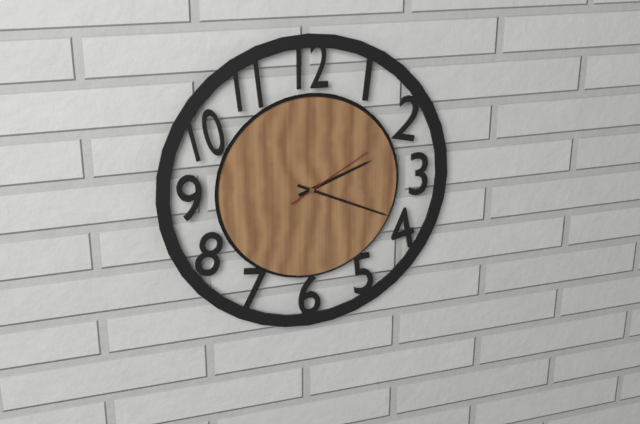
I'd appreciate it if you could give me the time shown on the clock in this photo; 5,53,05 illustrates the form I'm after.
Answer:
2,19,10
